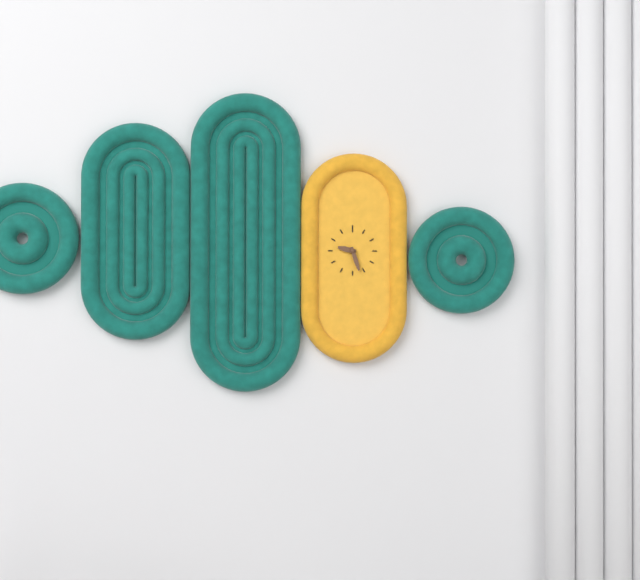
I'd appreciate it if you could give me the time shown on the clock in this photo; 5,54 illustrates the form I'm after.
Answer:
9,27
